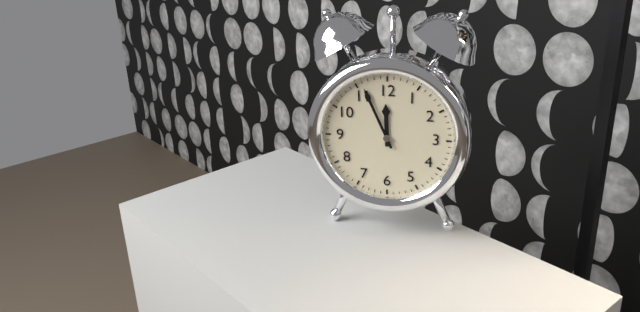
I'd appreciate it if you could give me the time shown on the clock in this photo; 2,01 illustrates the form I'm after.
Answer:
11,56
